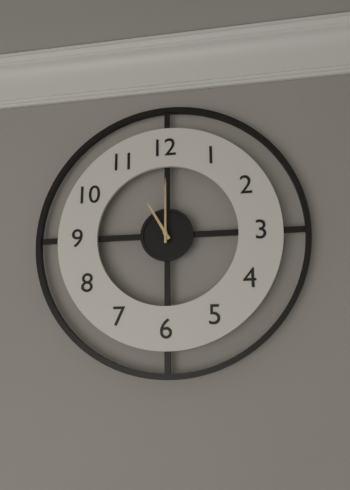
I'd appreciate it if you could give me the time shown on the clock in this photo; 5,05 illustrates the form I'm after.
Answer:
11,00
